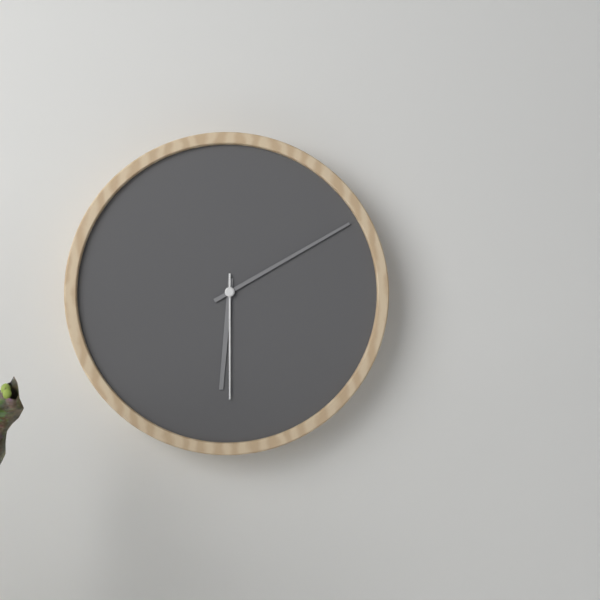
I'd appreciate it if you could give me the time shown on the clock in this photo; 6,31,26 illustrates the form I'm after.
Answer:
6,10,30
